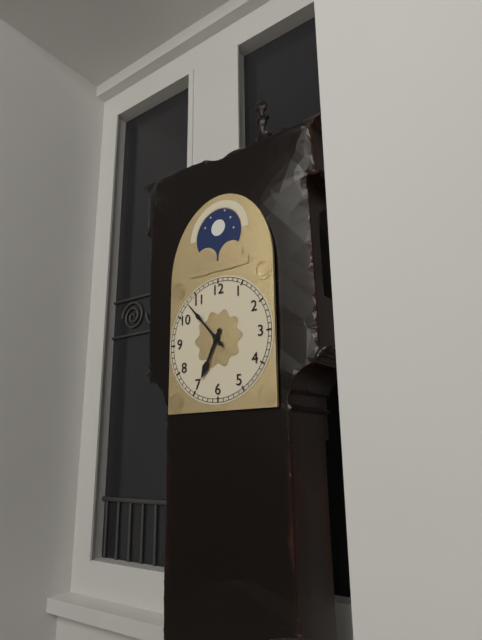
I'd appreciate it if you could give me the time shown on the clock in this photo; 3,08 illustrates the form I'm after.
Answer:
6,53
